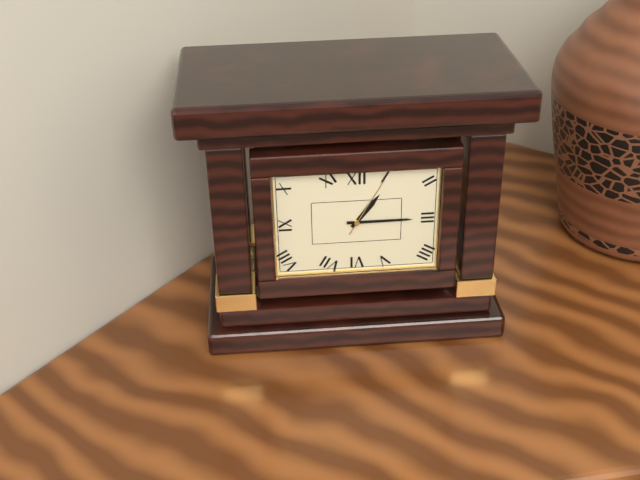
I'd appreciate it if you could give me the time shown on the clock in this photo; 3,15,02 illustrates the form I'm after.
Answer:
1,15,05
